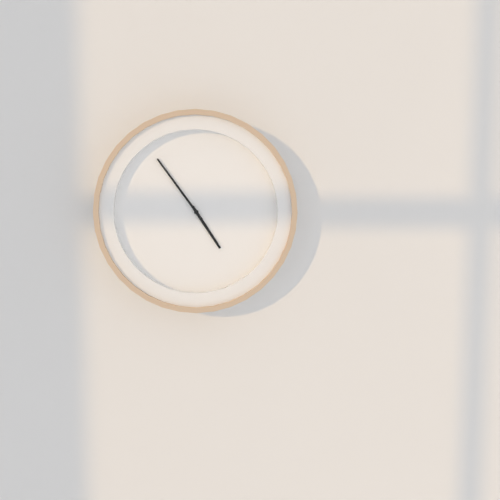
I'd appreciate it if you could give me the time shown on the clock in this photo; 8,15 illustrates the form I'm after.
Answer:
4,54
